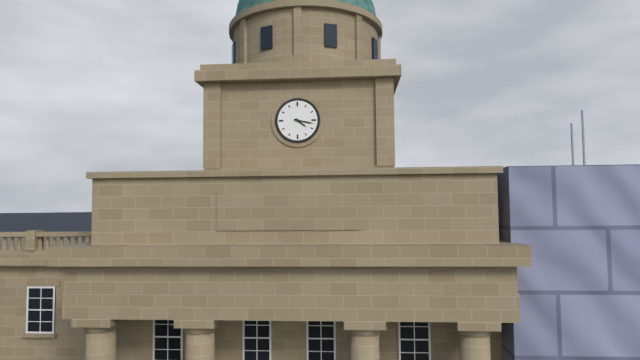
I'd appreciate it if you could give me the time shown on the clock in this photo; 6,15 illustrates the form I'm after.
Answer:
4,17
